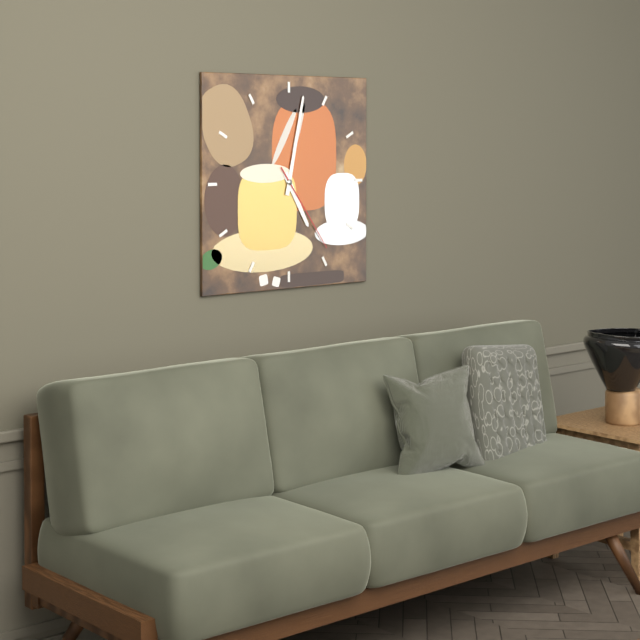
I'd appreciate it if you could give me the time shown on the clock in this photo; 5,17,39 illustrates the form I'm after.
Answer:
5,02,24
